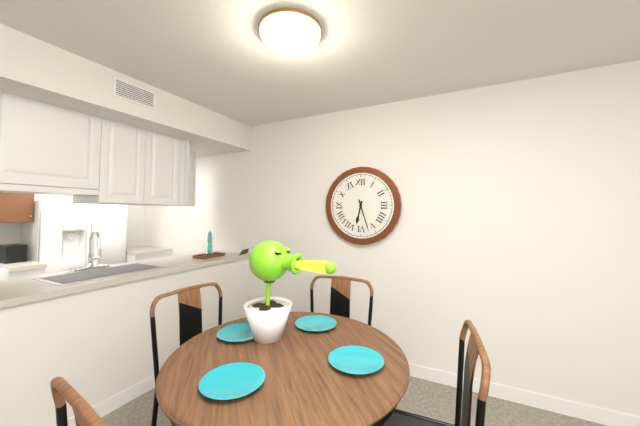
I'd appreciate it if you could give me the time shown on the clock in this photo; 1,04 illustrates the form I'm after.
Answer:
6,27
